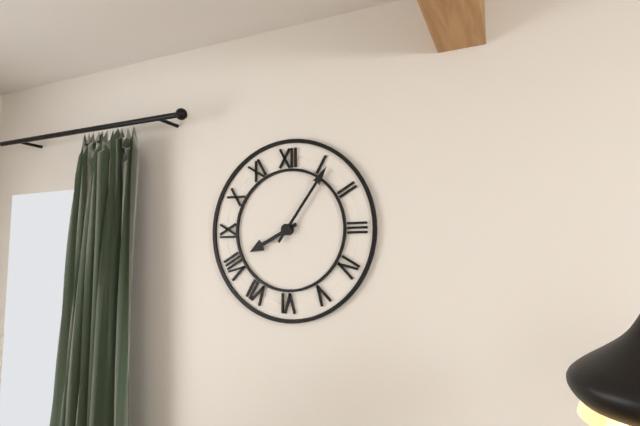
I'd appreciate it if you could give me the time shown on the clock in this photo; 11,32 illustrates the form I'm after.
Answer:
8,06
